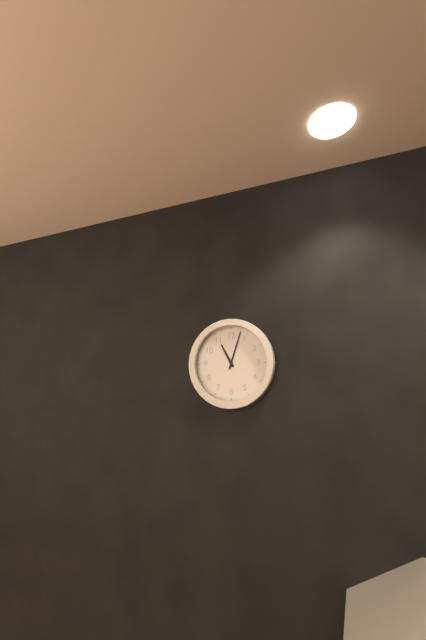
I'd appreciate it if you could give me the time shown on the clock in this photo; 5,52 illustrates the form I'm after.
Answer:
11,03
